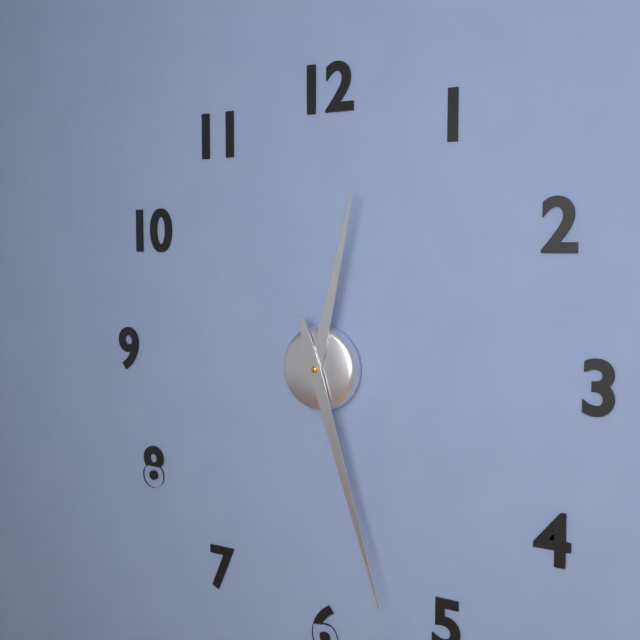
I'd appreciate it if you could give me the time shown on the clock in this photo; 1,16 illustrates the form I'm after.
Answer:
12,27
